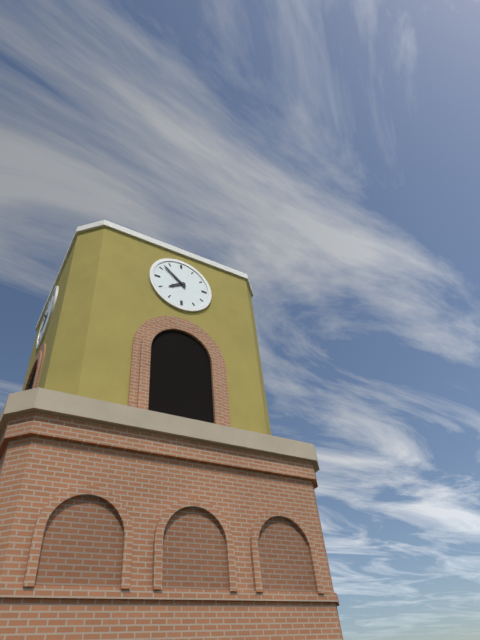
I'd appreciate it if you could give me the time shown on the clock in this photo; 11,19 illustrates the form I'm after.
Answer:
7,52
